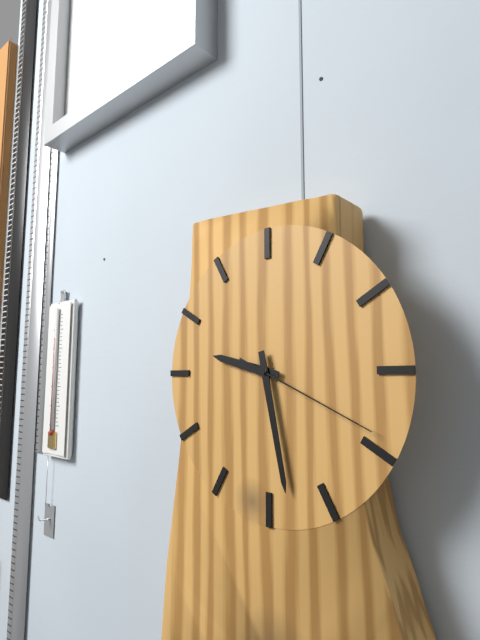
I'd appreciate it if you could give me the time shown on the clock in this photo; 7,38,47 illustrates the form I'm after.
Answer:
9,28,19
